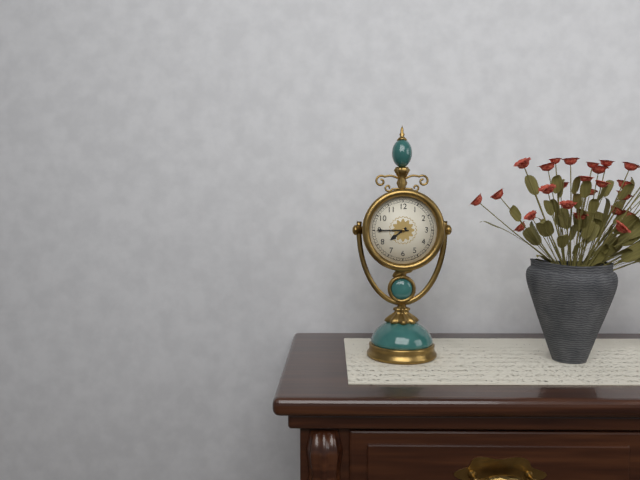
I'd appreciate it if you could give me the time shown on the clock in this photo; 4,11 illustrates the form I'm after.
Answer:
7,45
